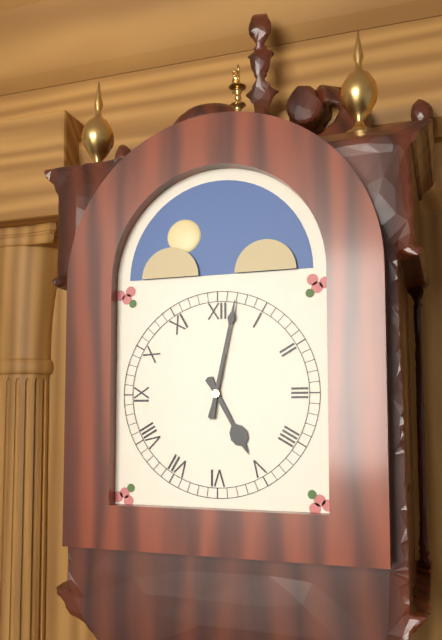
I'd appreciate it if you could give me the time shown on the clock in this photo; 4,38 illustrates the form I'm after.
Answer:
5,02
